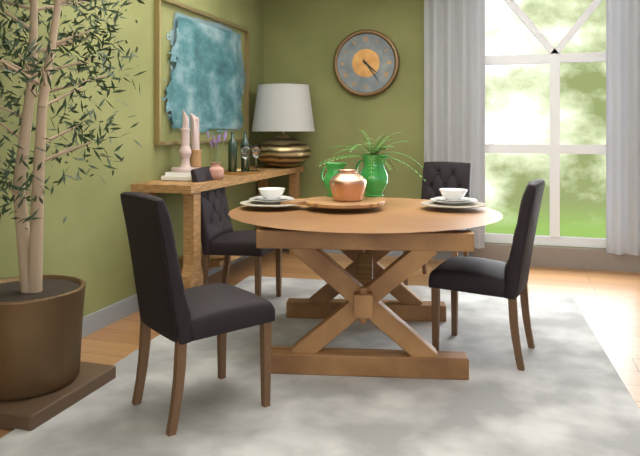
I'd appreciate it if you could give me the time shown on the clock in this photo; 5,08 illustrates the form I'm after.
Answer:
4,24
